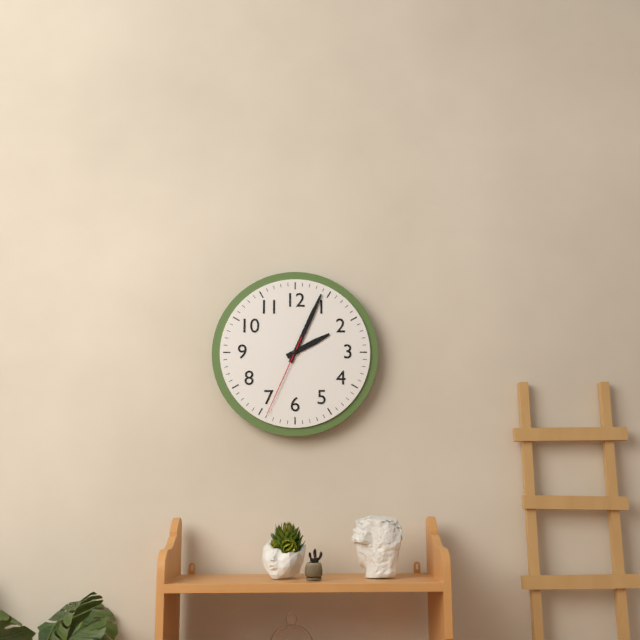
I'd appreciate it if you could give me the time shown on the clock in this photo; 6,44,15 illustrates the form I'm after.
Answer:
2,04,34
